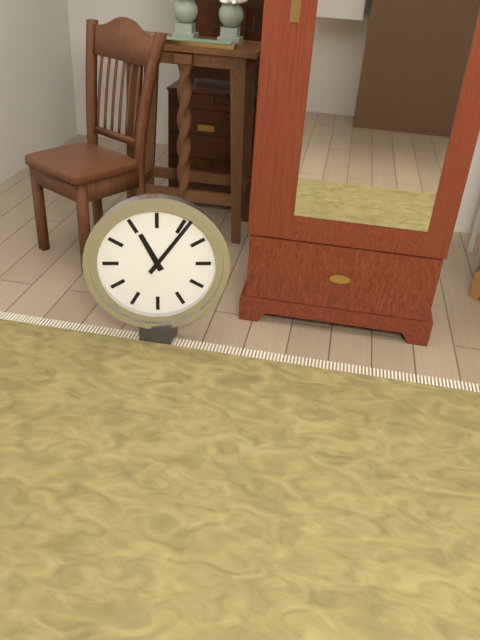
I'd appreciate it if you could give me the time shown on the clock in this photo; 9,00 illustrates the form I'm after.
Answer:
11,06
